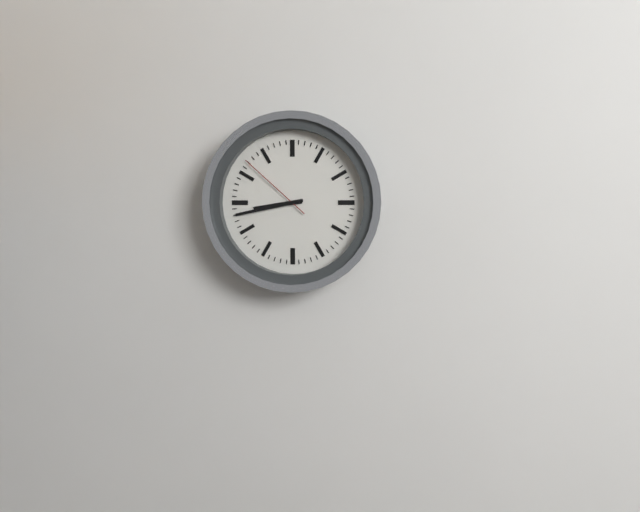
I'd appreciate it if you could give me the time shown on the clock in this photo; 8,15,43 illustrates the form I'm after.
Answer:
8,43,52
